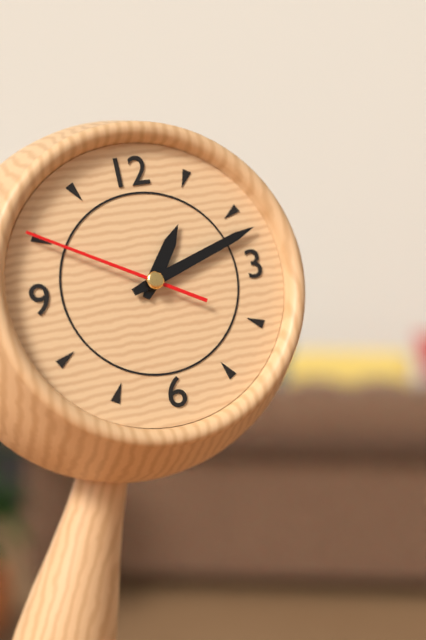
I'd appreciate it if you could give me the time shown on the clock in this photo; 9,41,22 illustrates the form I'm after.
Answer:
1,12,50
